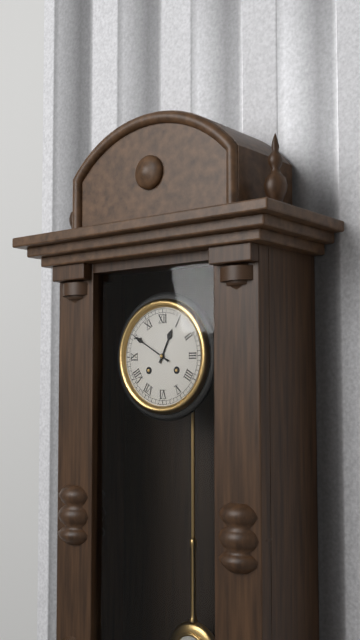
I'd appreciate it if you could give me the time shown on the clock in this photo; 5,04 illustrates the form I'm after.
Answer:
12,50
